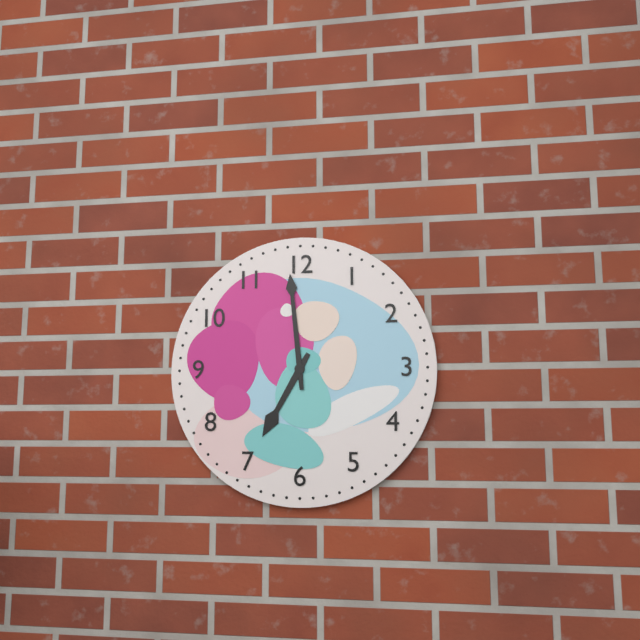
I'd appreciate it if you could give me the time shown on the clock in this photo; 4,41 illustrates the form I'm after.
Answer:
6,59
